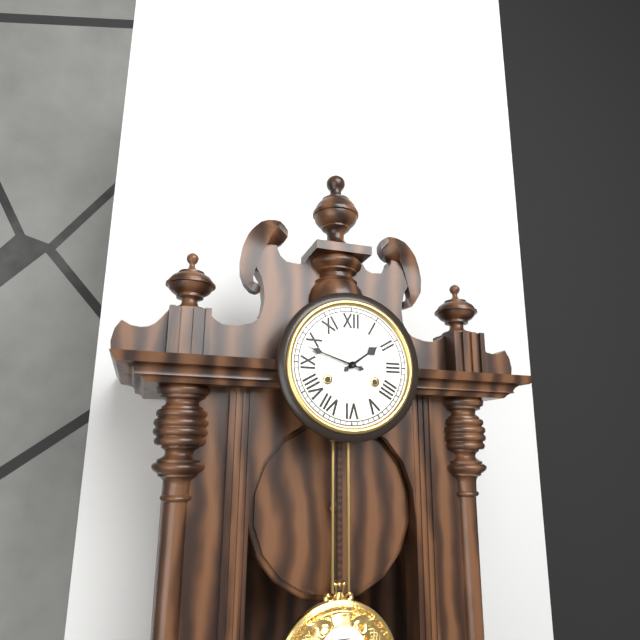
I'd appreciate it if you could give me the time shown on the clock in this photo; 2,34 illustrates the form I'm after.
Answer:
1,48
